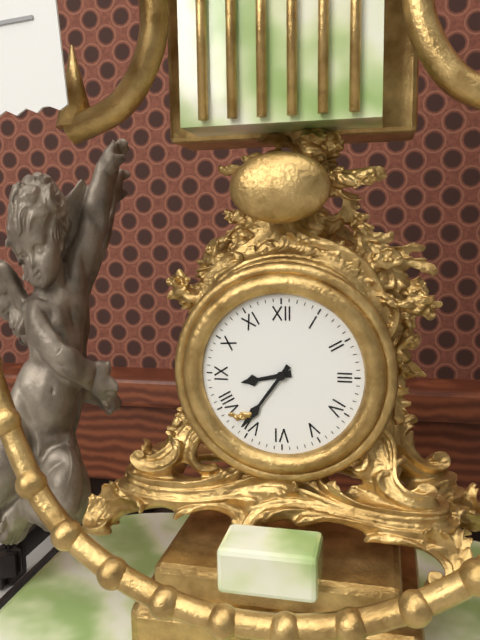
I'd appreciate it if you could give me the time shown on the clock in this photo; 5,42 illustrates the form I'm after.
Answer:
8,36
